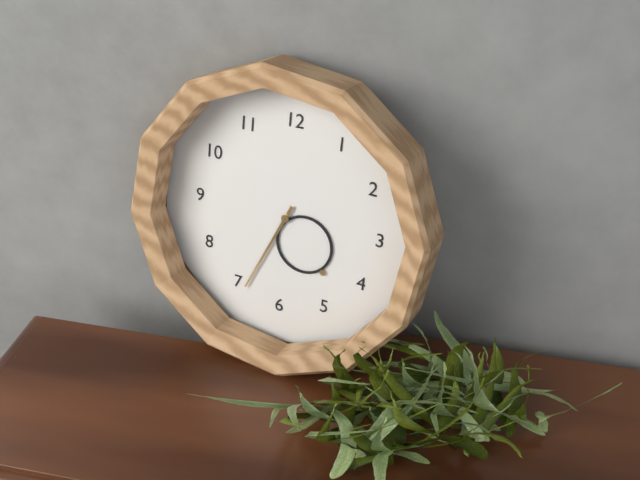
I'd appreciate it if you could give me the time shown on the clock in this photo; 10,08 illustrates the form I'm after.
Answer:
4,34
